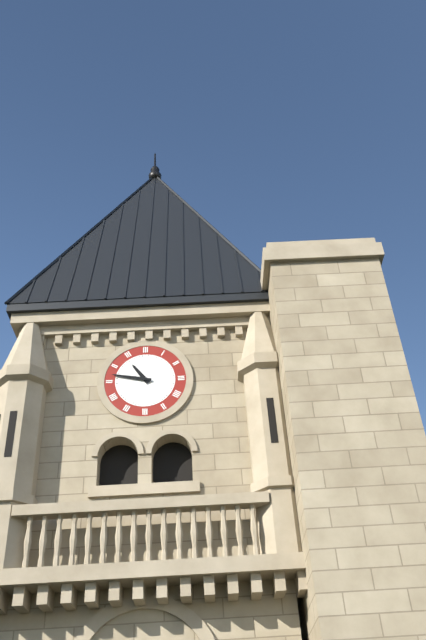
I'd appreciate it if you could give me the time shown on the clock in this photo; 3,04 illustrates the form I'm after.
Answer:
10,47
